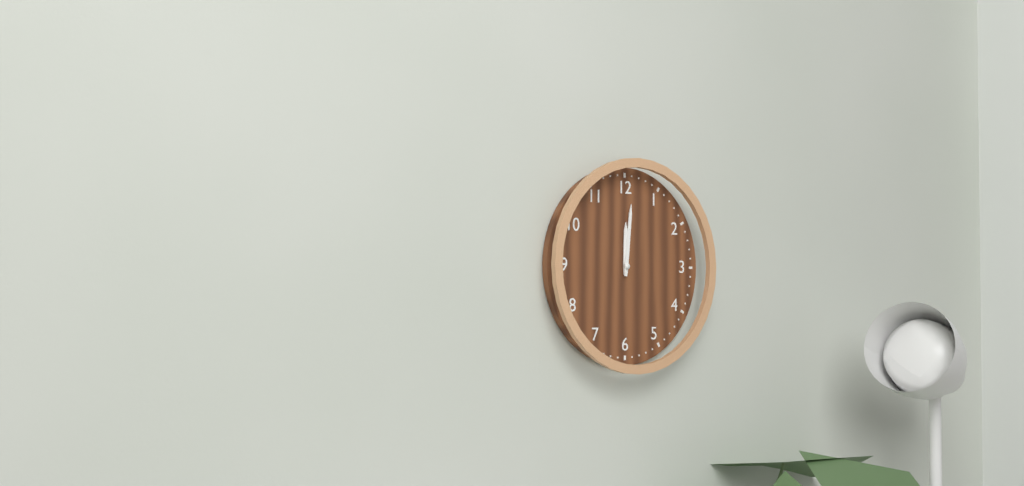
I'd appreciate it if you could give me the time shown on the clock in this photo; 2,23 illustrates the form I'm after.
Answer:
12,01
